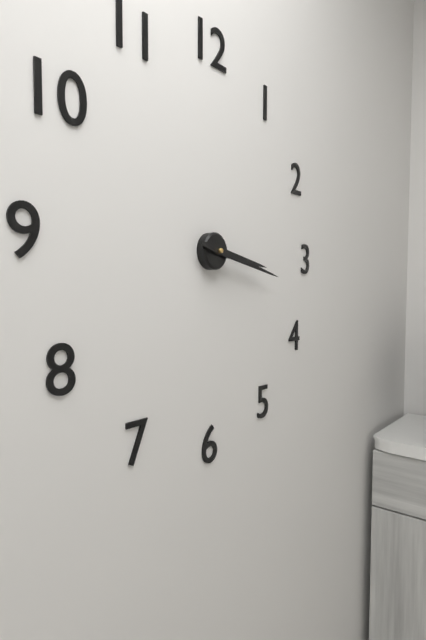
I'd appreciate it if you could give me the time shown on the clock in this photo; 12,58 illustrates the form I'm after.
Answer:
3,17
